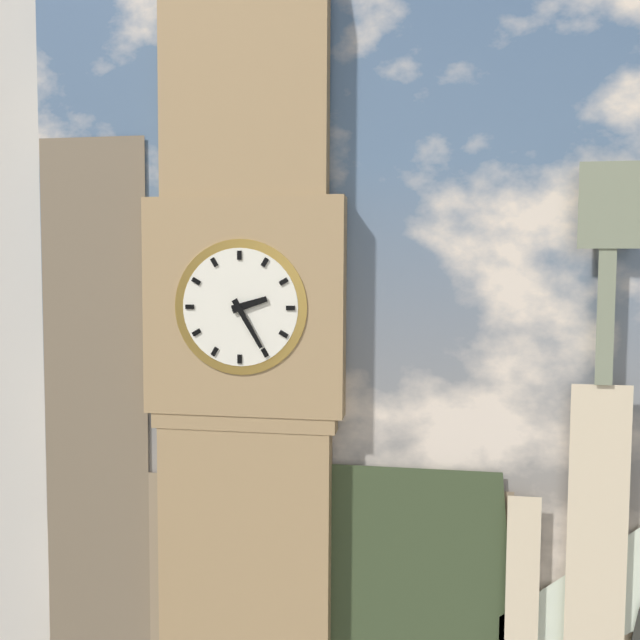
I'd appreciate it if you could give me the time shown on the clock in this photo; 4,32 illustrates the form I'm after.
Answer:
2,25
